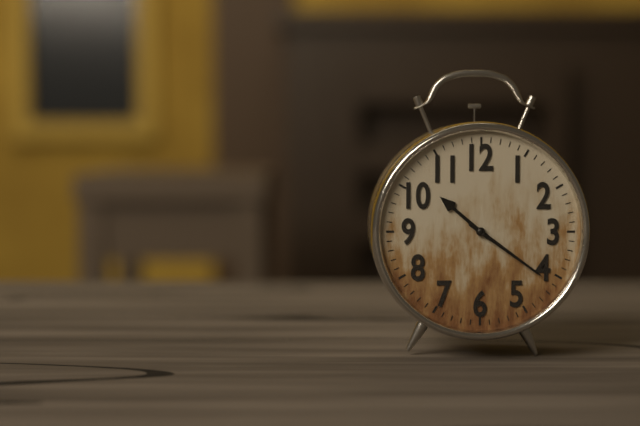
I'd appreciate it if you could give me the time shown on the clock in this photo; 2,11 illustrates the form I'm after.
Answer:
10,21
